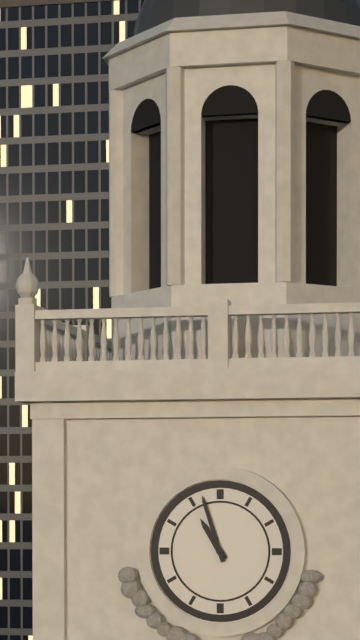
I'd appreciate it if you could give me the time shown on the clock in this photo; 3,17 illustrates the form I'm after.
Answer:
10,57
